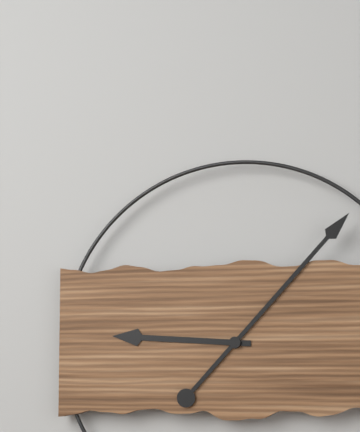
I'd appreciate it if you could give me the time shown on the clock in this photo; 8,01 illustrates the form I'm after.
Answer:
9,07
